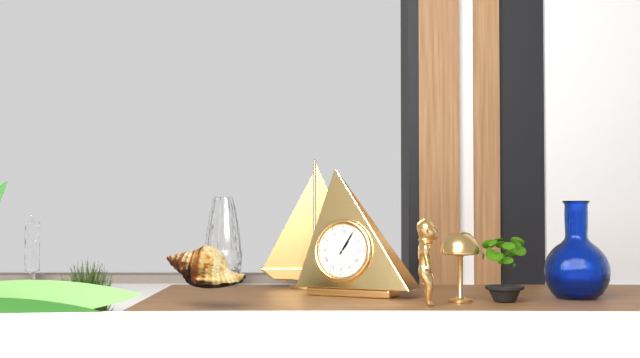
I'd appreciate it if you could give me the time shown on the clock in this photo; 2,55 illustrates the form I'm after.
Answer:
1,05
